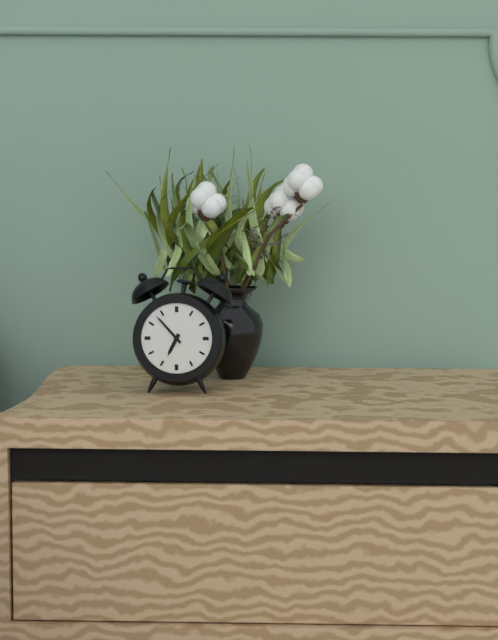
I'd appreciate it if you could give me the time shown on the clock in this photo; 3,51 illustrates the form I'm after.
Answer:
6,53
